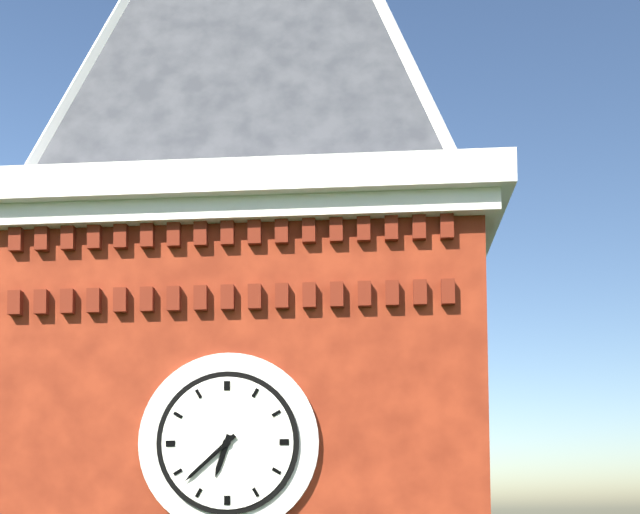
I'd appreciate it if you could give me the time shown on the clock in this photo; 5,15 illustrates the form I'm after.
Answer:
6,38
